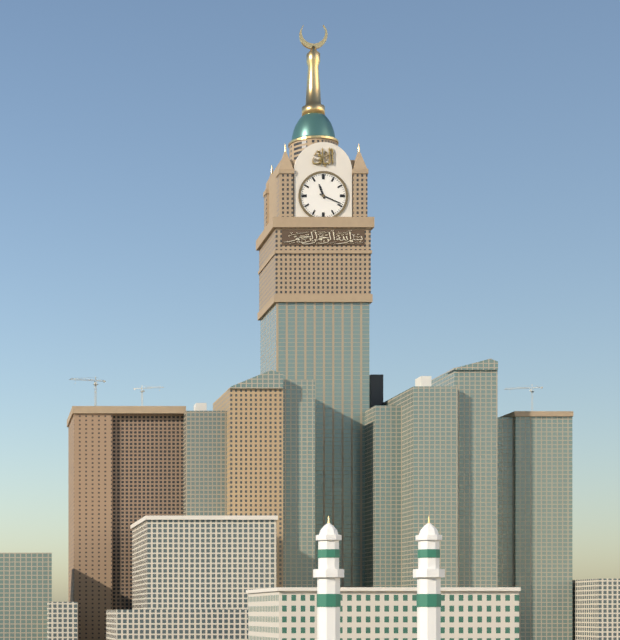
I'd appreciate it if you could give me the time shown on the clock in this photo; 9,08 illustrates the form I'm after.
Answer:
11,19
